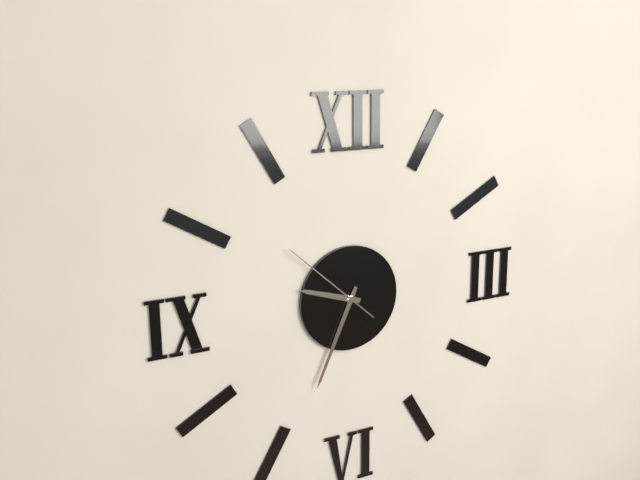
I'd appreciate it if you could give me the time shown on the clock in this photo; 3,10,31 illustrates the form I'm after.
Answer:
9,34,52
